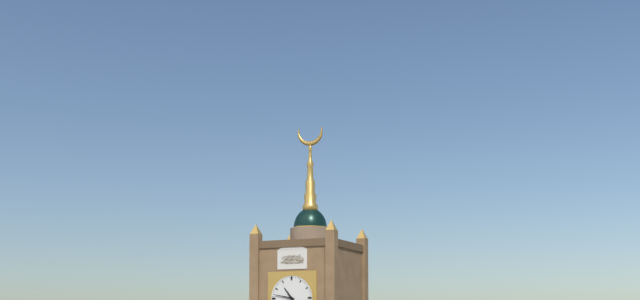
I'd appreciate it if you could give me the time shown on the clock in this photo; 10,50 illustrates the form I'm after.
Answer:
10,47
